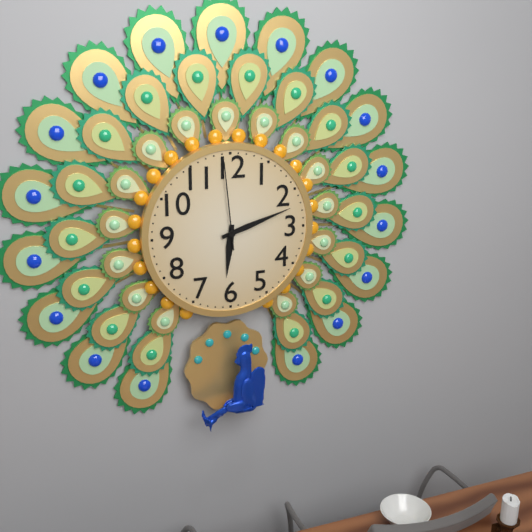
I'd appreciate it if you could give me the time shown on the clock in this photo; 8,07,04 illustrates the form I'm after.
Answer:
6,12,59
